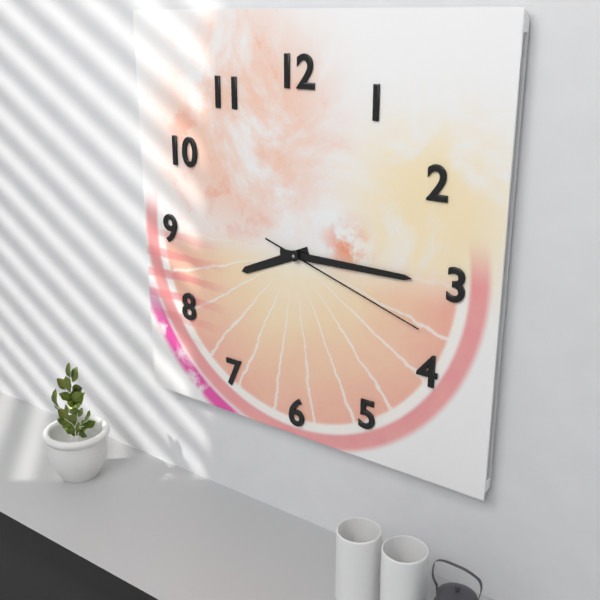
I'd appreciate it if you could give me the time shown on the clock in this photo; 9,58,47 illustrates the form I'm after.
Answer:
8,15,18
